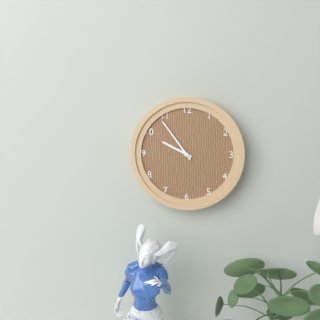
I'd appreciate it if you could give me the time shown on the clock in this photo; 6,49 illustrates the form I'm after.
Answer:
9,54
